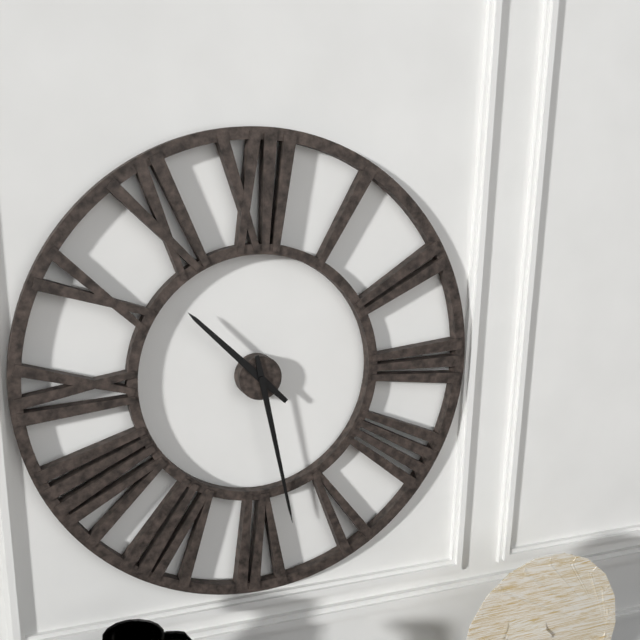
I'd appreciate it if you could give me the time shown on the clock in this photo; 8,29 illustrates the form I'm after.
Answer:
10,28
